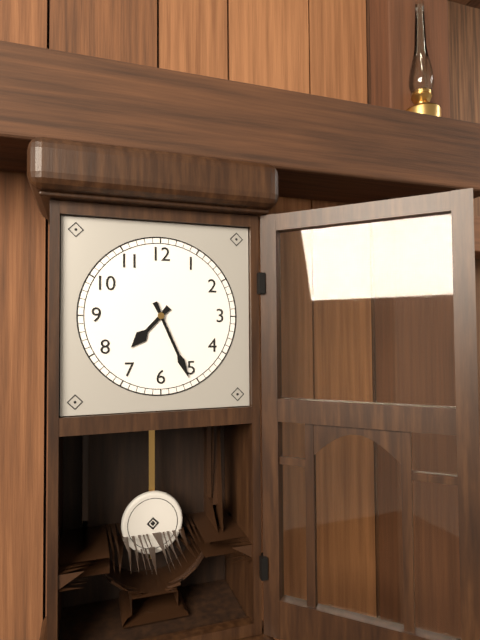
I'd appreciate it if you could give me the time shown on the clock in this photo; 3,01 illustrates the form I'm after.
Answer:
7,26
